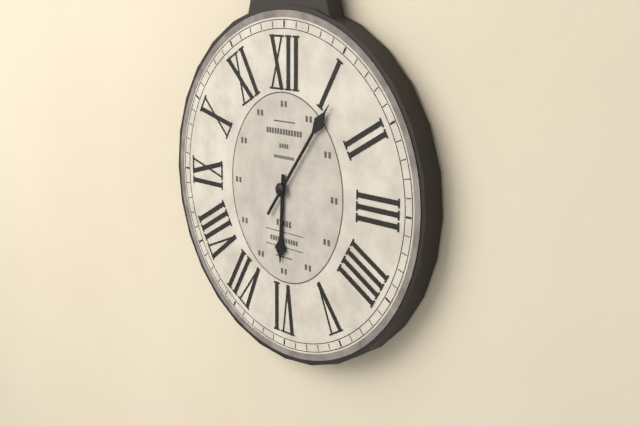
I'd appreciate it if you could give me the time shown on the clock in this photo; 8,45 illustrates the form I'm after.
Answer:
6,06
